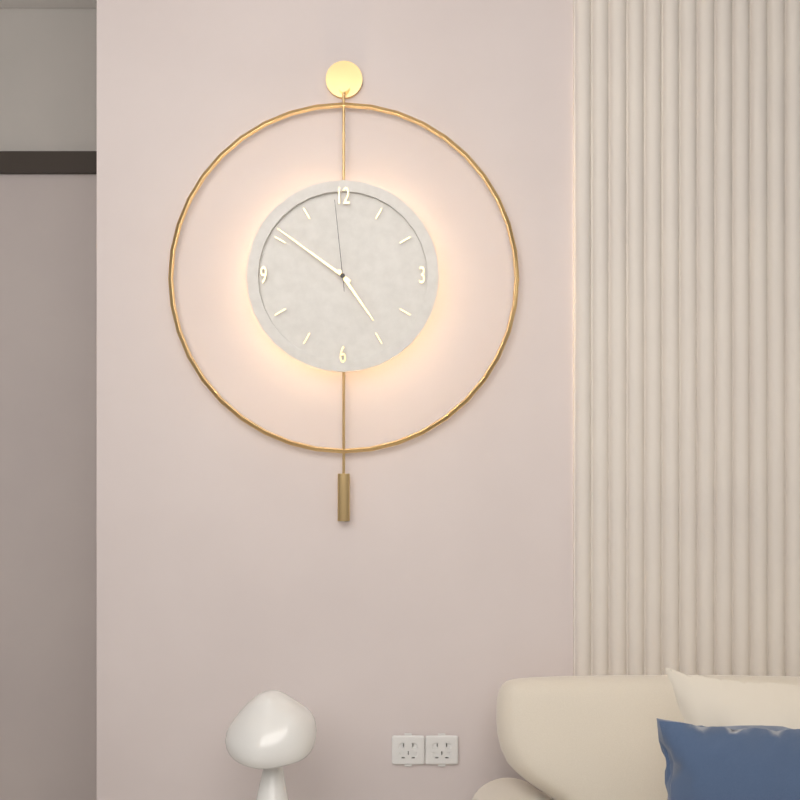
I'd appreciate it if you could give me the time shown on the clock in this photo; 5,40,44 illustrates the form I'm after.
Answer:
4,51,59
